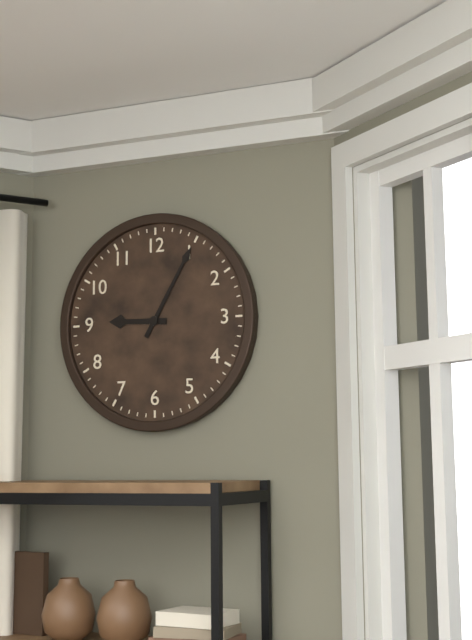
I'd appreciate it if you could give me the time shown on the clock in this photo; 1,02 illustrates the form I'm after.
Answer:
9,05
